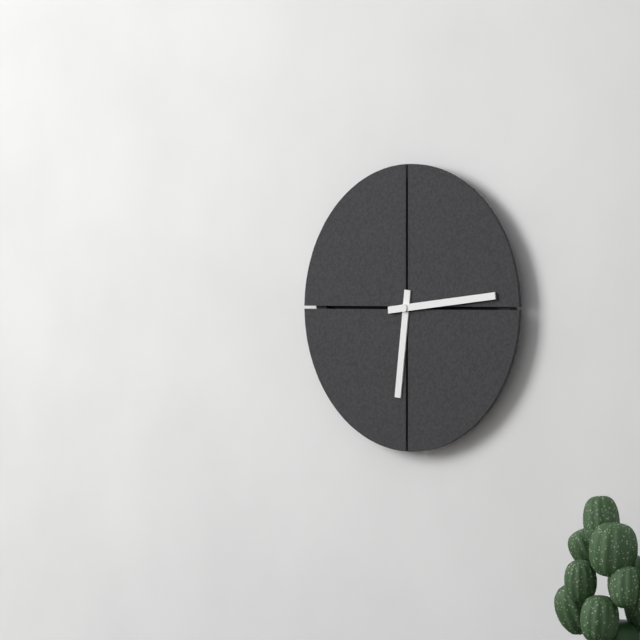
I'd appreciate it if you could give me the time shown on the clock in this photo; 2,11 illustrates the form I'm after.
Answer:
6,14
